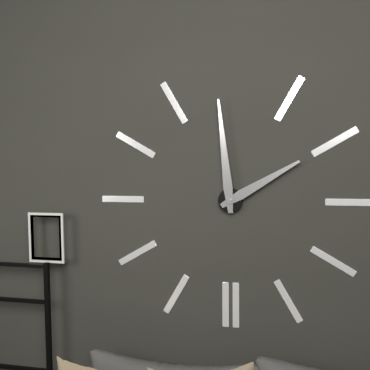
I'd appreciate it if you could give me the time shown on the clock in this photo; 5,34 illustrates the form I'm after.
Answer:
1,59
